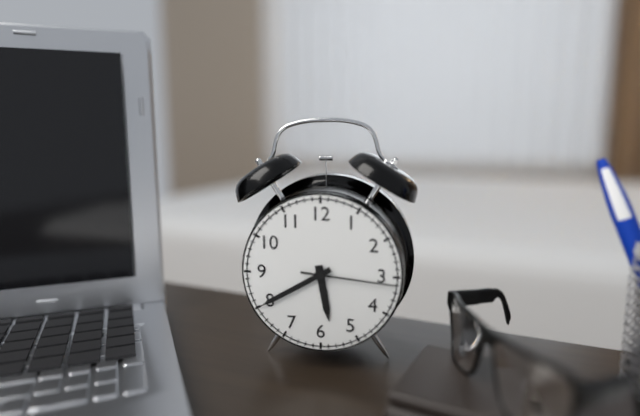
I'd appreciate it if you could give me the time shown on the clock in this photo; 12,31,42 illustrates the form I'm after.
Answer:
5,40,16
